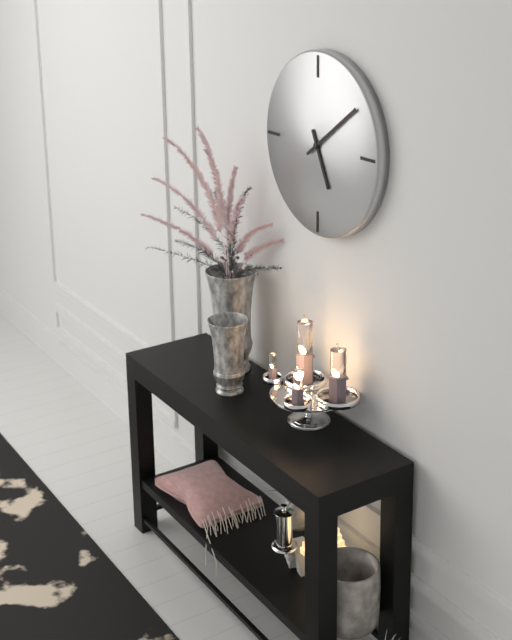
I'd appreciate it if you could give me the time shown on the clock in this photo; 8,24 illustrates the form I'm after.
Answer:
5,09
